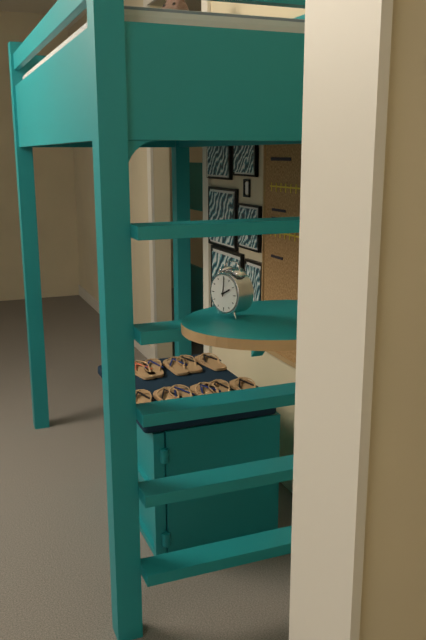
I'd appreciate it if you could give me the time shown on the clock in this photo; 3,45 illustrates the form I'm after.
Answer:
2,01
